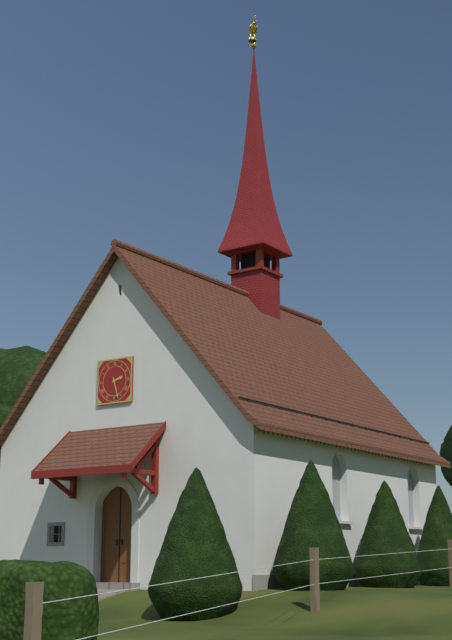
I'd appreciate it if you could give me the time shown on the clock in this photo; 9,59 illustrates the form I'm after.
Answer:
2,27
